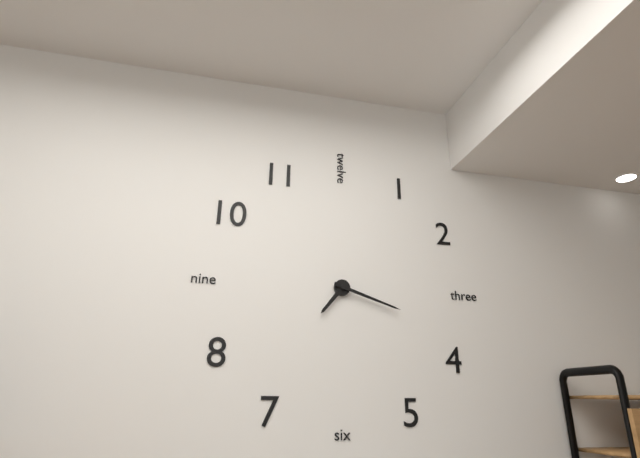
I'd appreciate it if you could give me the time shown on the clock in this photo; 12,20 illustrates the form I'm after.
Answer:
7,18
